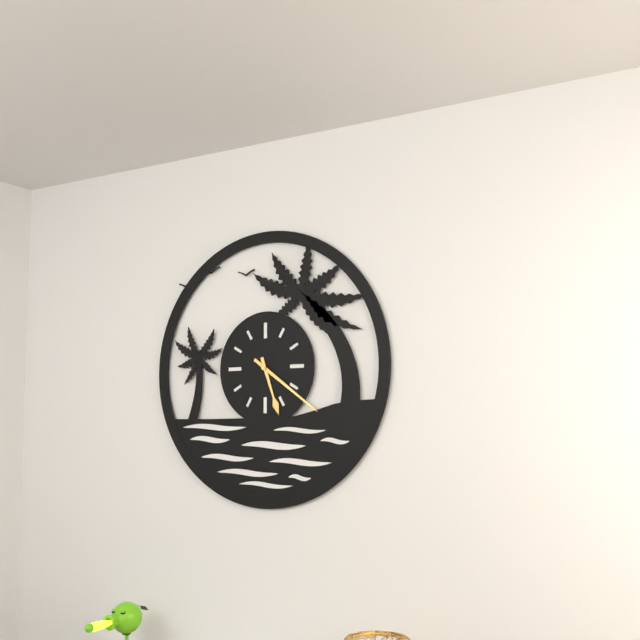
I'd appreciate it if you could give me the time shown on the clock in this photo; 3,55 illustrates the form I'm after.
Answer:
5,21
